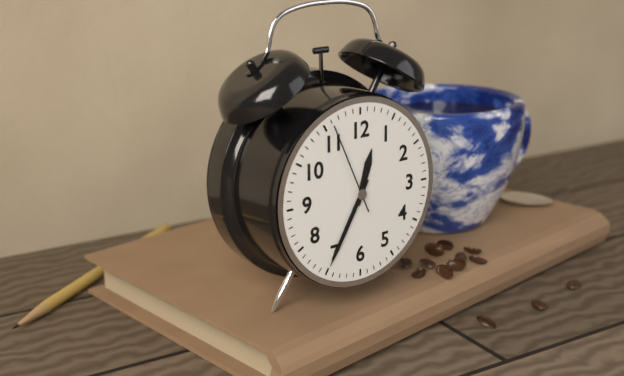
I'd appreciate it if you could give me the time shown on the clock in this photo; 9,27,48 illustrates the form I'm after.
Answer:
12,35,56
